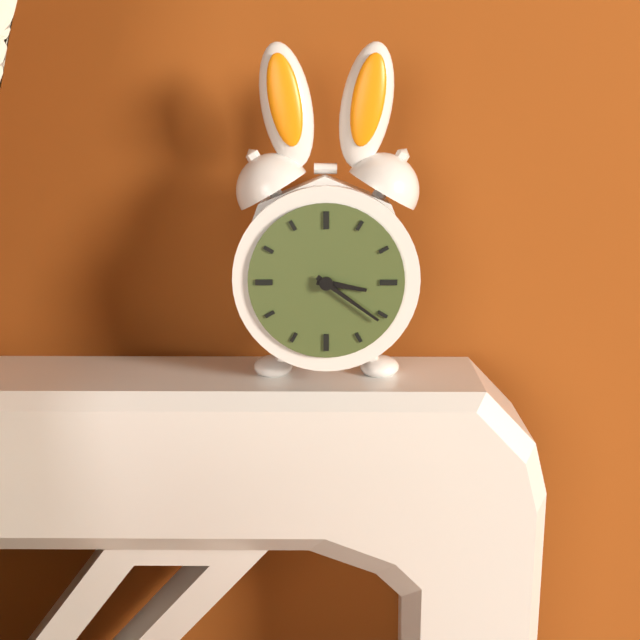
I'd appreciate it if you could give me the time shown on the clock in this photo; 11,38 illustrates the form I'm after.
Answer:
3,21
